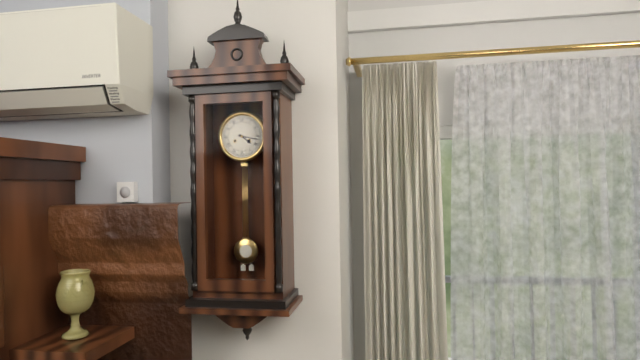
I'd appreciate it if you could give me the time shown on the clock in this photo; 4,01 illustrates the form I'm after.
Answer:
4,17
